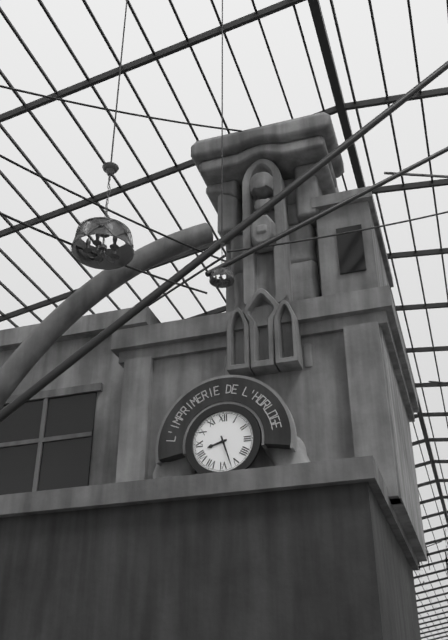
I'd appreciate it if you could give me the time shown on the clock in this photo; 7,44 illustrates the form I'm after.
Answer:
8,27
